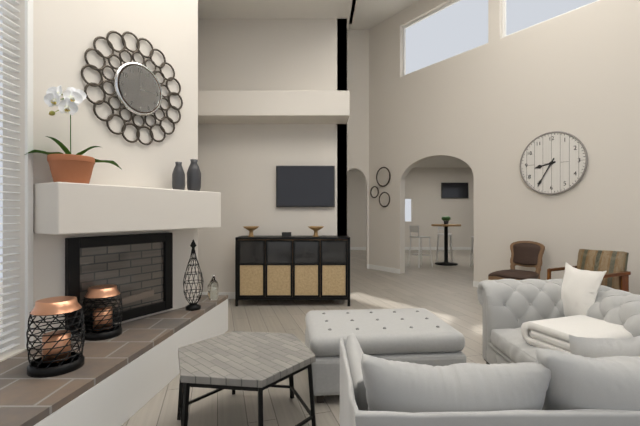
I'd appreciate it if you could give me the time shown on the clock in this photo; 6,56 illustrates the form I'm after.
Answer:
8,35
